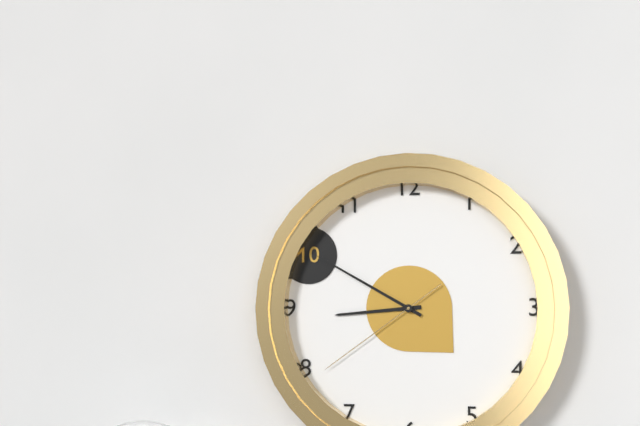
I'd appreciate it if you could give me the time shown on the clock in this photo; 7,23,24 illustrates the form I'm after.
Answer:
8,50,39
